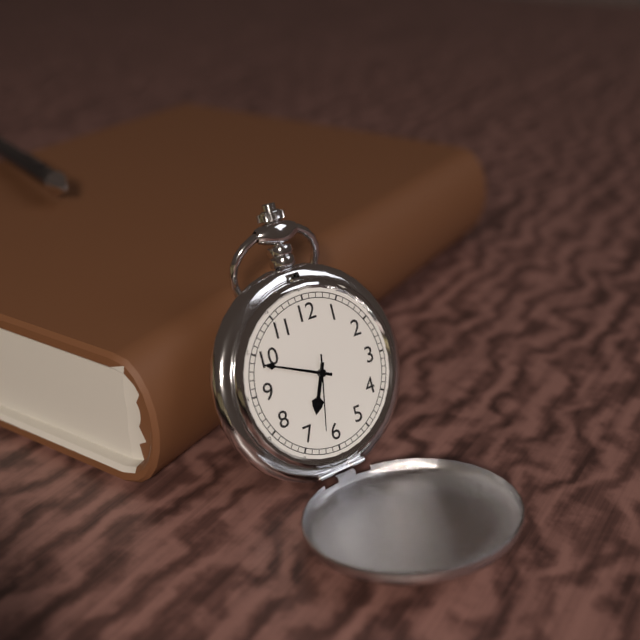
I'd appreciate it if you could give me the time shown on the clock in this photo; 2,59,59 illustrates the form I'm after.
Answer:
6,49,32
